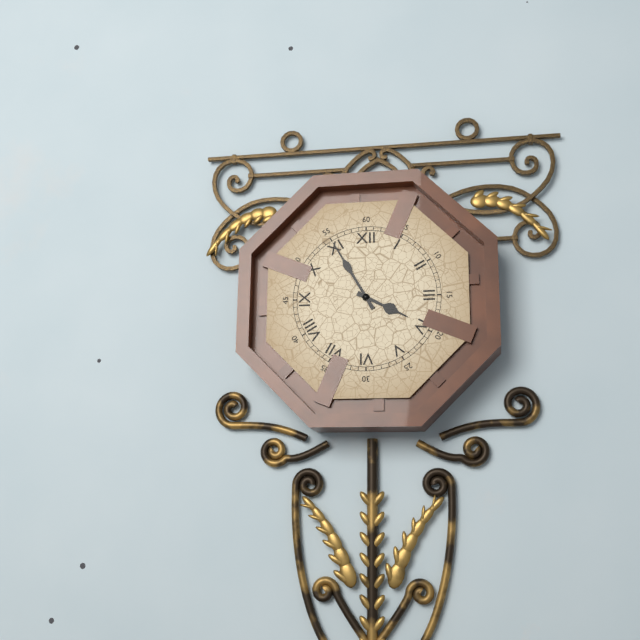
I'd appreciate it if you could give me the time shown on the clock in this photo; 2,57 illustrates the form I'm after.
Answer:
3,55
